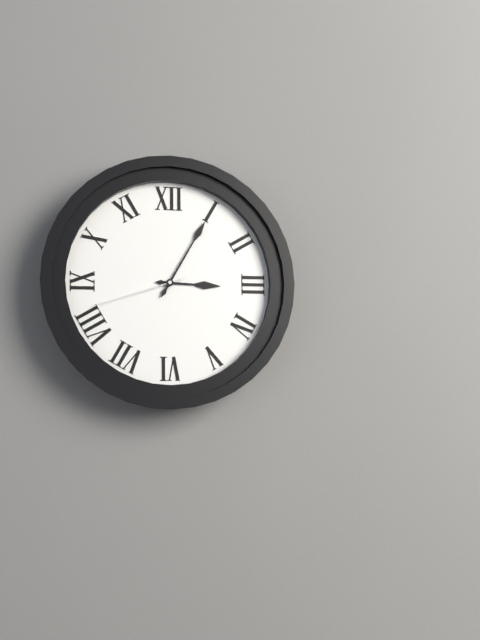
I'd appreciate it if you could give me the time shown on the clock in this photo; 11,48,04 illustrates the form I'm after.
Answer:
3,05,42
